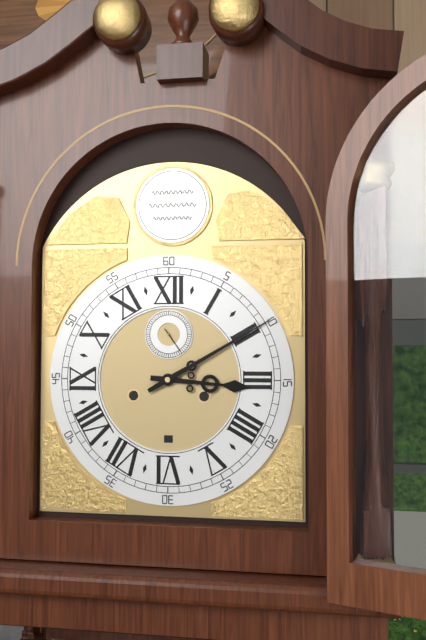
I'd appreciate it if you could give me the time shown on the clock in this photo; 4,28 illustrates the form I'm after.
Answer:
3,10
